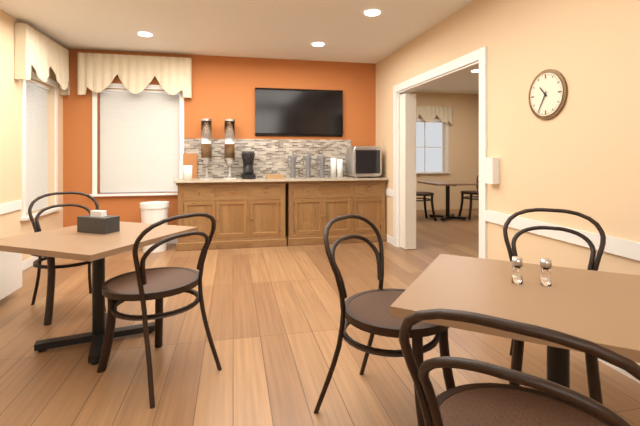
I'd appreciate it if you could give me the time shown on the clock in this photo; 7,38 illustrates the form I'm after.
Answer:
10,35
